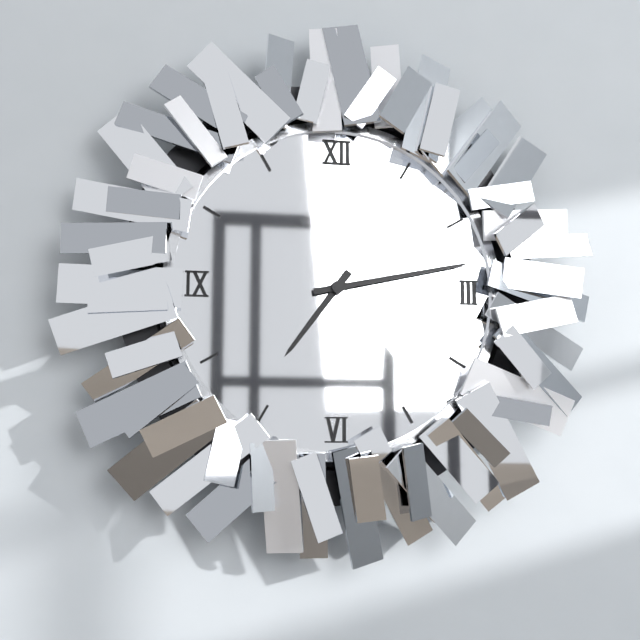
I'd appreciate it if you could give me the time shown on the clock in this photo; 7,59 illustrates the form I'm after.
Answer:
7,13
